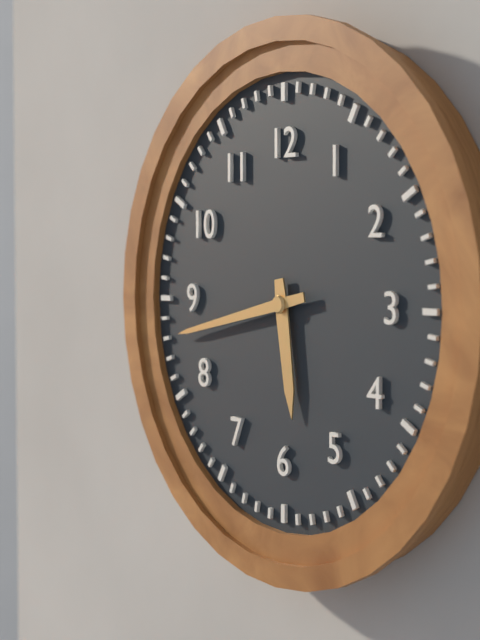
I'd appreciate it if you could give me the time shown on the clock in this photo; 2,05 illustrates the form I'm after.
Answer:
5,43
